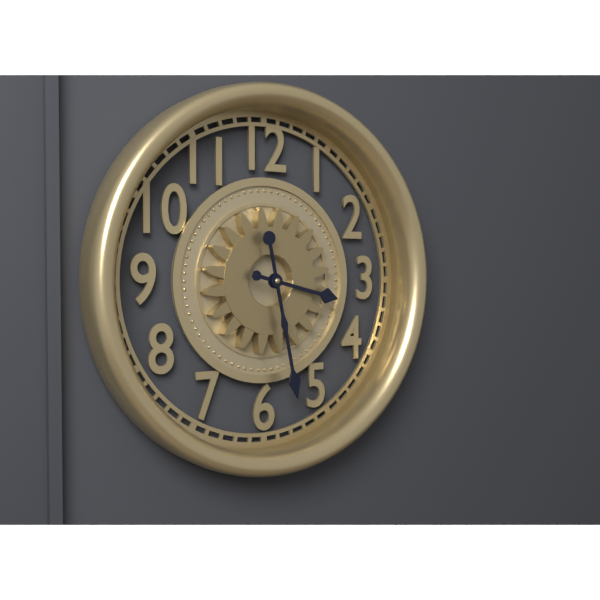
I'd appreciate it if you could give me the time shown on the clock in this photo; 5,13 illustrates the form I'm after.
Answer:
3,28
